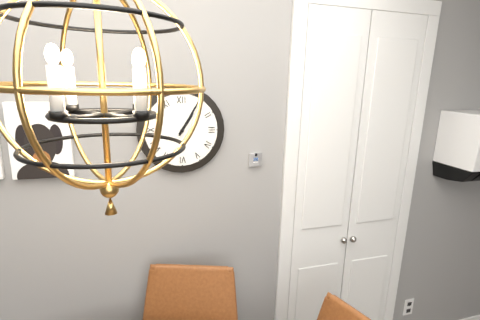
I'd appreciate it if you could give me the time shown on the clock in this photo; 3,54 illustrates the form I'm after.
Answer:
1,05
